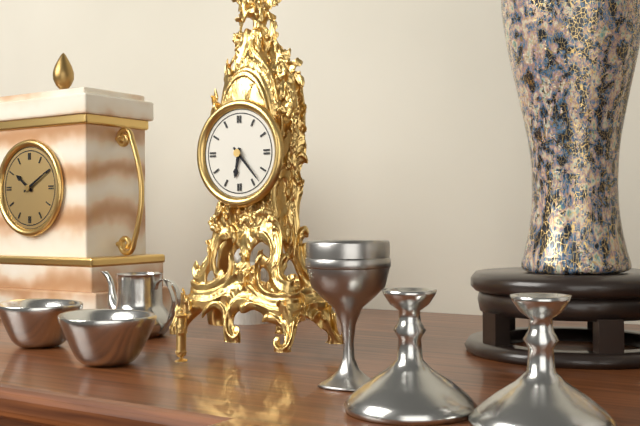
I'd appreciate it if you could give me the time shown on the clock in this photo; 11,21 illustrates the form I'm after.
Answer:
6,23
